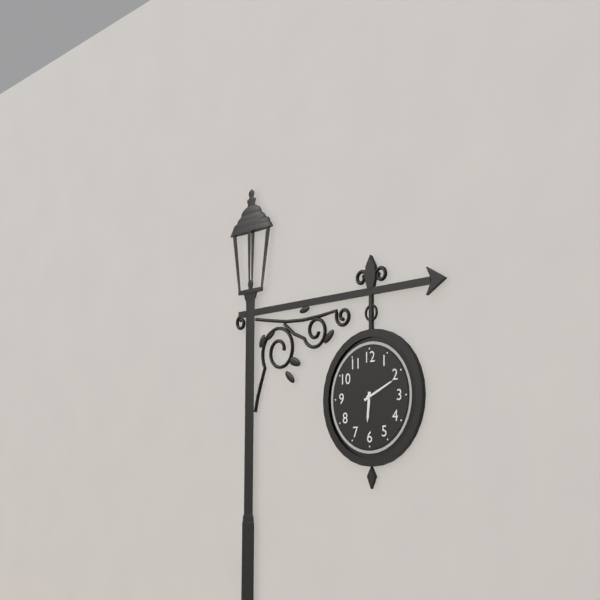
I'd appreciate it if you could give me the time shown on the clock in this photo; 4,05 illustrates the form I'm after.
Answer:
6,11
